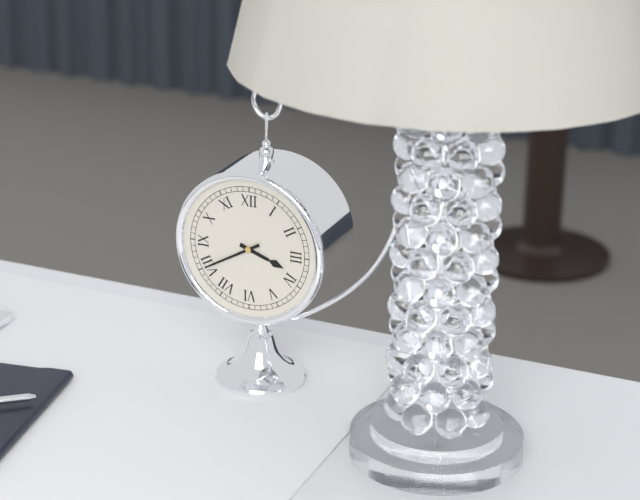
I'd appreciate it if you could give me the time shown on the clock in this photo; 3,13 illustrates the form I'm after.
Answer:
3,40
